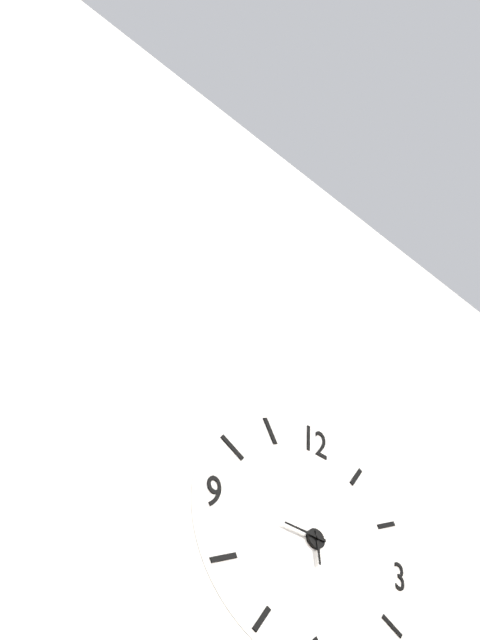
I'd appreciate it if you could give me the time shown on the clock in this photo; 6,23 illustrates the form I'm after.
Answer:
5,45
